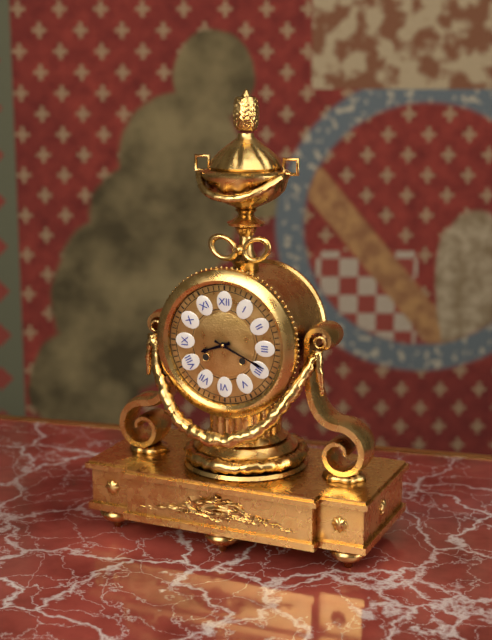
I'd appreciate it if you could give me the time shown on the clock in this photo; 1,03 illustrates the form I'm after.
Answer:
8,19
